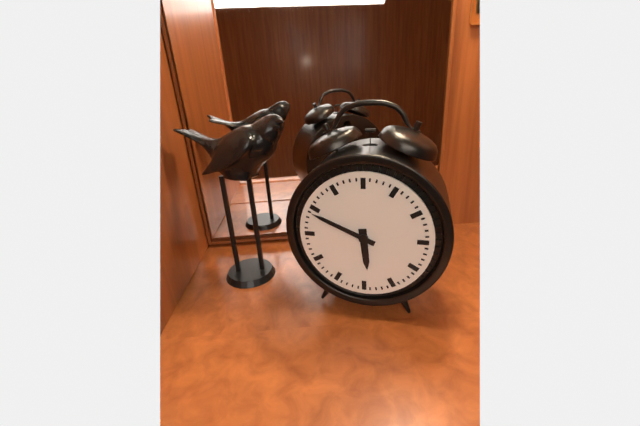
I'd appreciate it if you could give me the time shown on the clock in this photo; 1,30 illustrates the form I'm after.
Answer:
5,49
